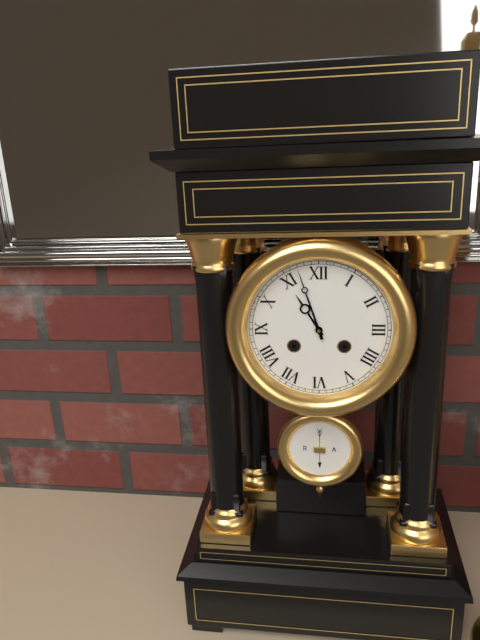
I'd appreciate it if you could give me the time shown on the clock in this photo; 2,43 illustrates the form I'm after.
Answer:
10,57
